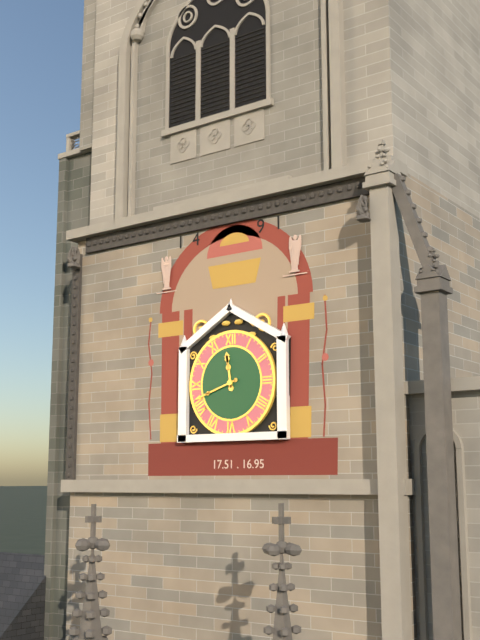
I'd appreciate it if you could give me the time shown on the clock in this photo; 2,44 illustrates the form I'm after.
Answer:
11,42
